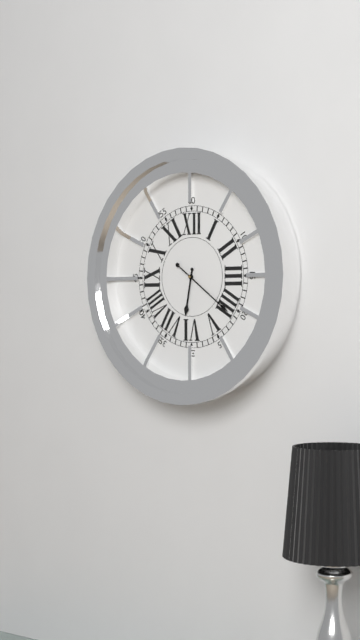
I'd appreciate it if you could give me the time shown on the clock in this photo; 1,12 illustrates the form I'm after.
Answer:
6,21
